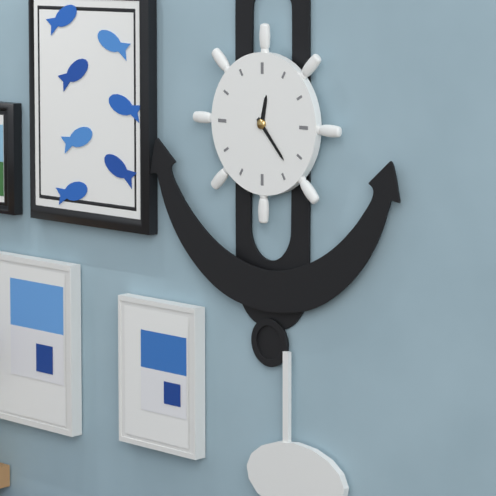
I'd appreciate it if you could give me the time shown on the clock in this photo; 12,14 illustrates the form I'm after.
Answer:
12,23
